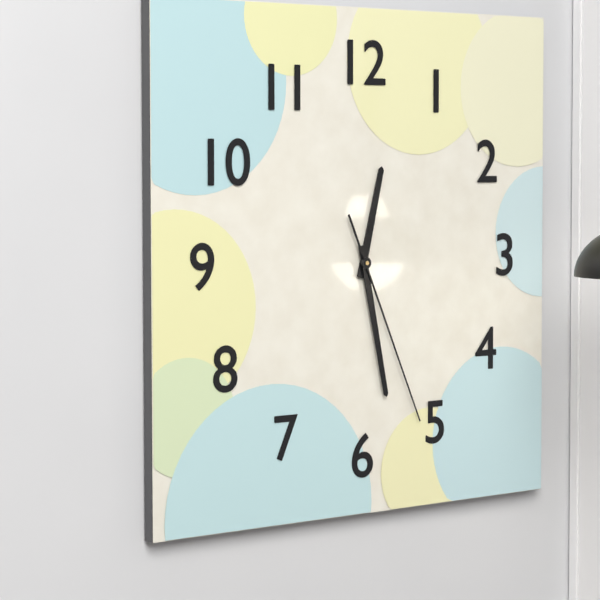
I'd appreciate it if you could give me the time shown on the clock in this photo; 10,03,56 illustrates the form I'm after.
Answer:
12,28,26
